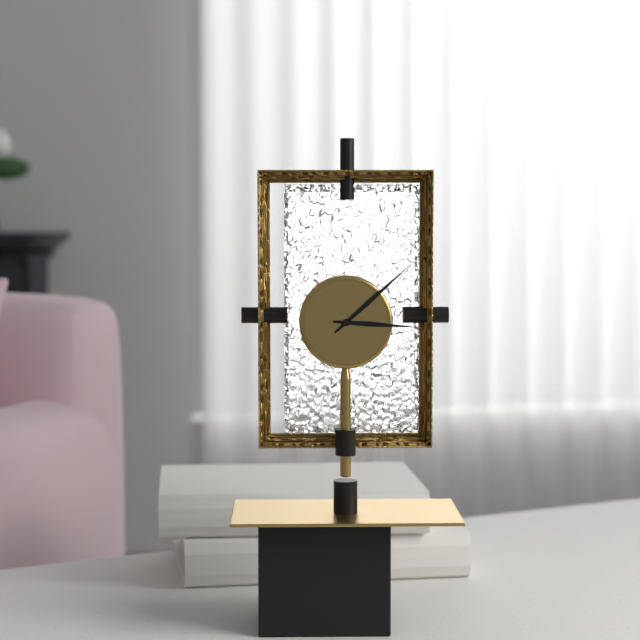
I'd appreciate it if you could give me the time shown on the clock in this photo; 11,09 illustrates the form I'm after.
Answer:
3,08
